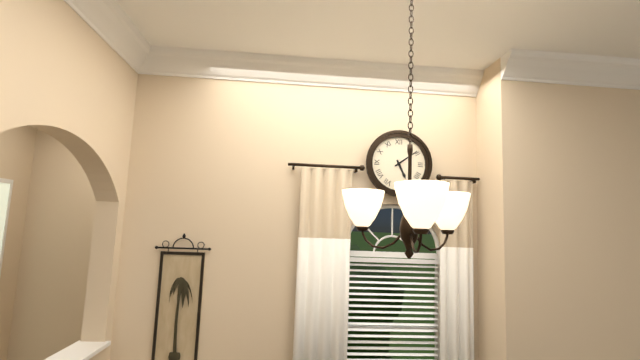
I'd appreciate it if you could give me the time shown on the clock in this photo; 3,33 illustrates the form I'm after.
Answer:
5,09
